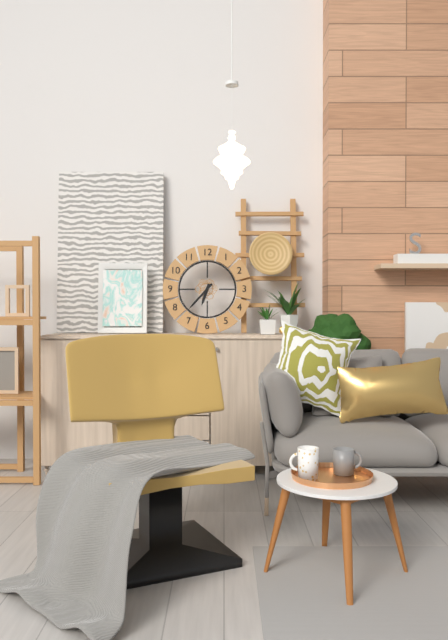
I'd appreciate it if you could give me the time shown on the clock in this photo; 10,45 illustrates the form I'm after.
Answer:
6,37
